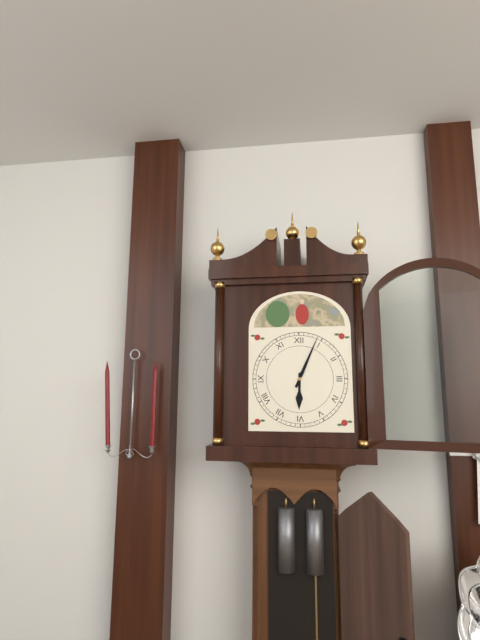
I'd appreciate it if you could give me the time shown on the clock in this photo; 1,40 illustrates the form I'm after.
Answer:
6,04
